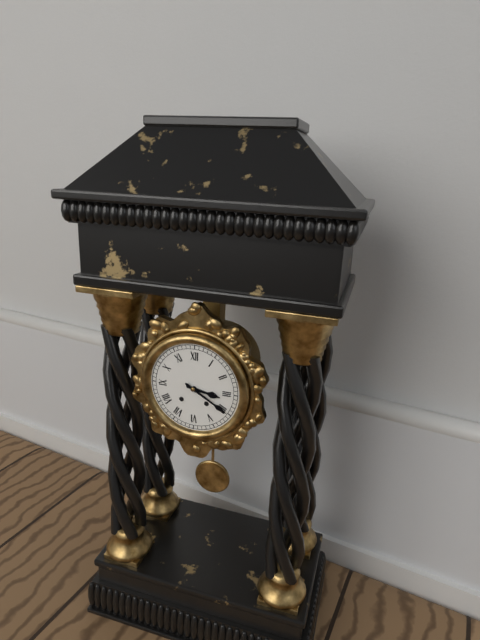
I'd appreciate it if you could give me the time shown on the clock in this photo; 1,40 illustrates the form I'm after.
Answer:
3,20
